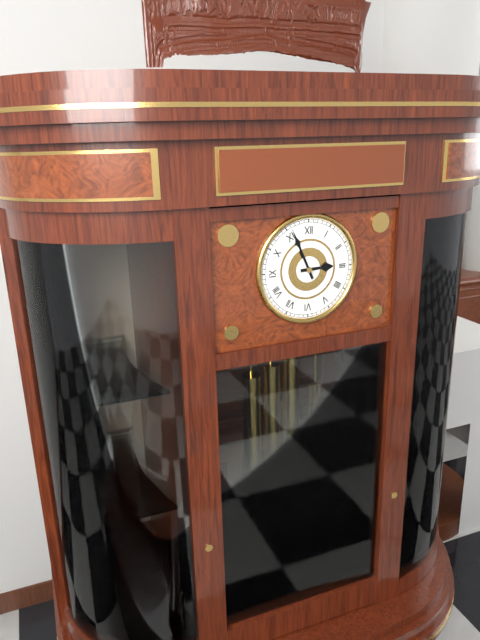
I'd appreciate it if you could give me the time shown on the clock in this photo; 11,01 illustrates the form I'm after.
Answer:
2,56
